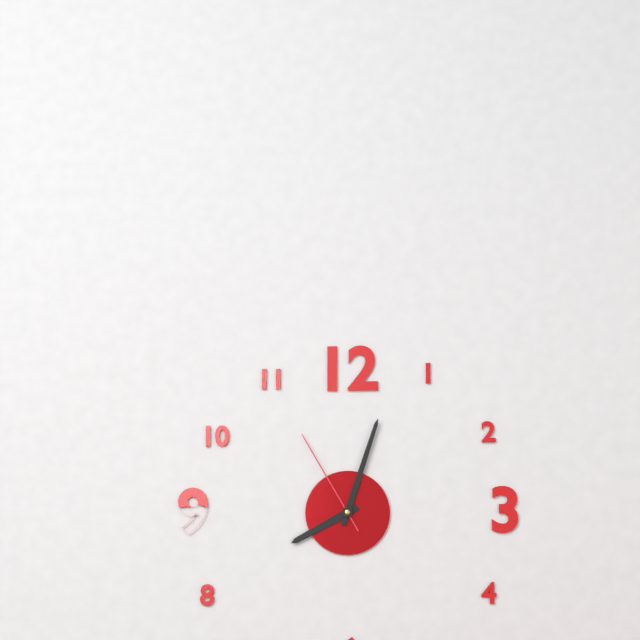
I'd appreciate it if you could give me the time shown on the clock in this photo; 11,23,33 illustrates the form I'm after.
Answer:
8,03,55
